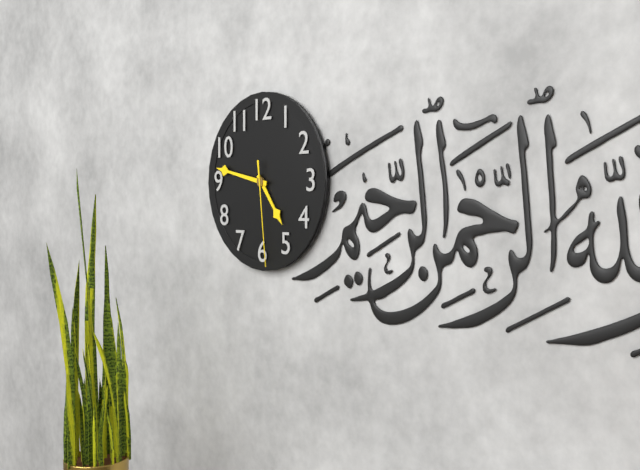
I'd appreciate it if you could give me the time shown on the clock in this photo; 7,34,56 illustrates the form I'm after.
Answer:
4,47,29
